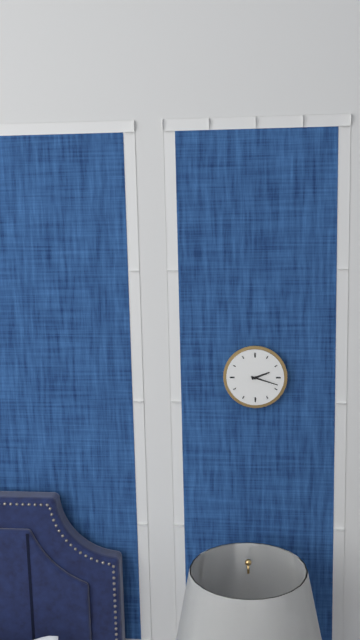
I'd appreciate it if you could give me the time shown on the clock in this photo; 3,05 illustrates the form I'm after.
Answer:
2,18
